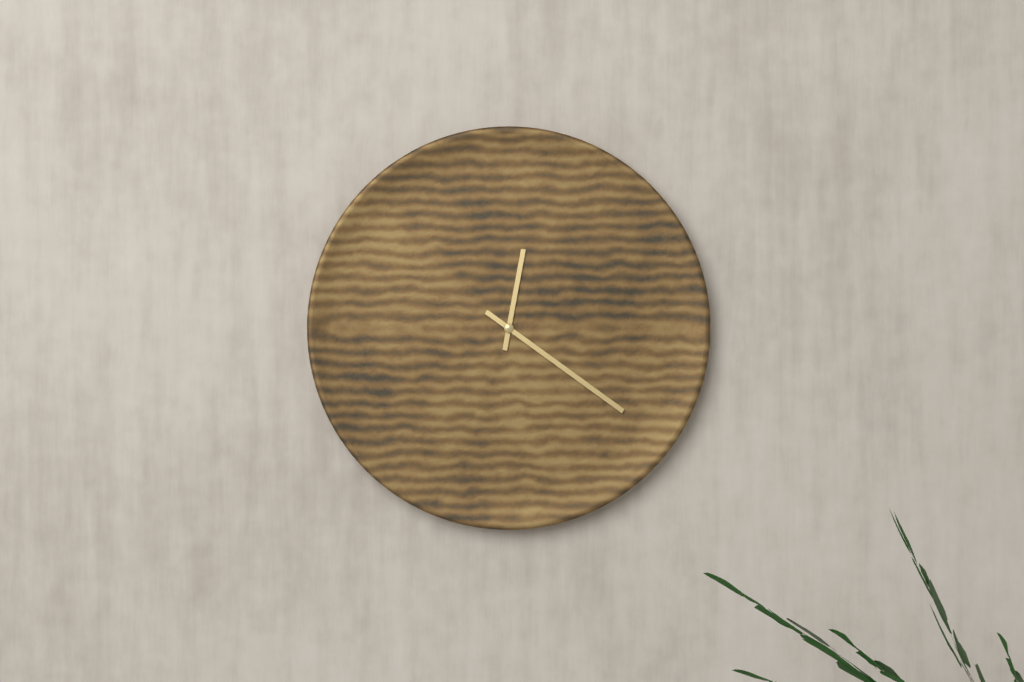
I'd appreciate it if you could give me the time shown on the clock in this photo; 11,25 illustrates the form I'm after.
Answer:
12,21
